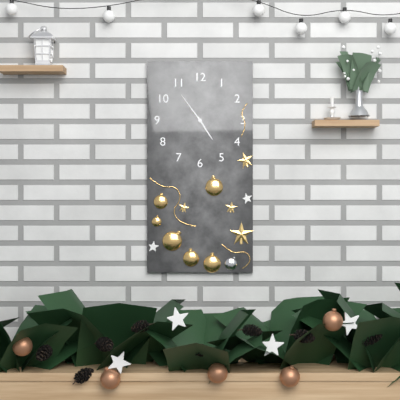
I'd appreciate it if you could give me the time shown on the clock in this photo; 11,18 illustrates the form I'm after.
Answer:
4,54
